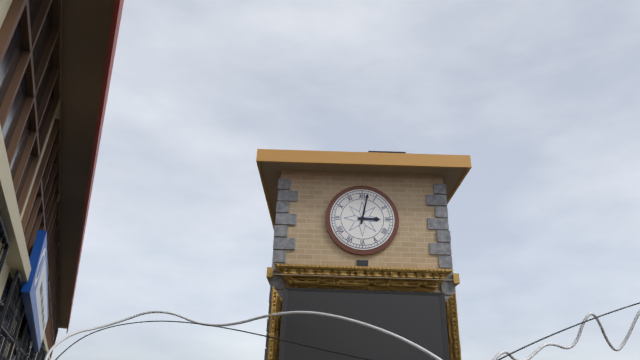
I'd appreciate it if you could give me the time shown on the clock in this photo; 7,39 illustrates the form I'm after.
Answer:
3,02
